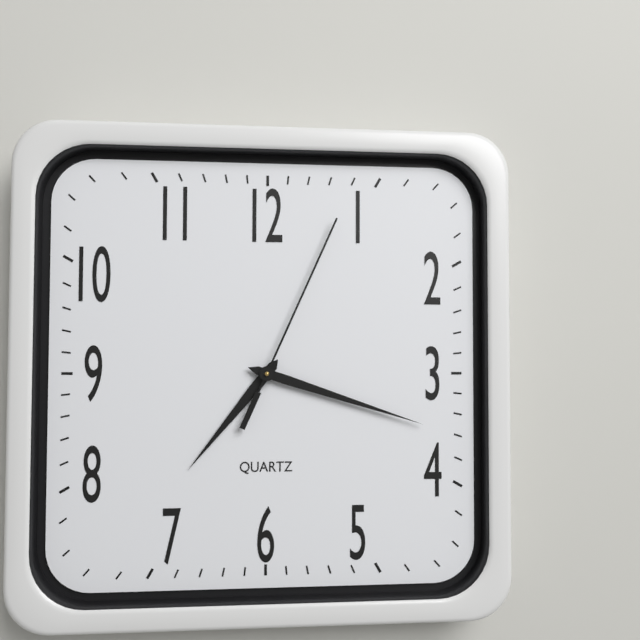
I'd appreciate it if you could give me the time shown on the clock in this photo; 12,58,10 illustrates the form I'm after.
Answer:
7,18,04
